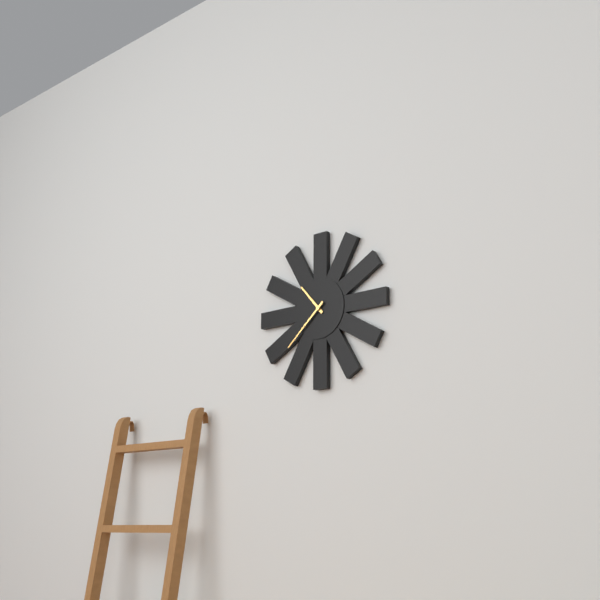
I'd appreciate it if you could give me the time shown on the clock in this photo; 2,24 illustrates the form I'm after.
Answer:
10,38
